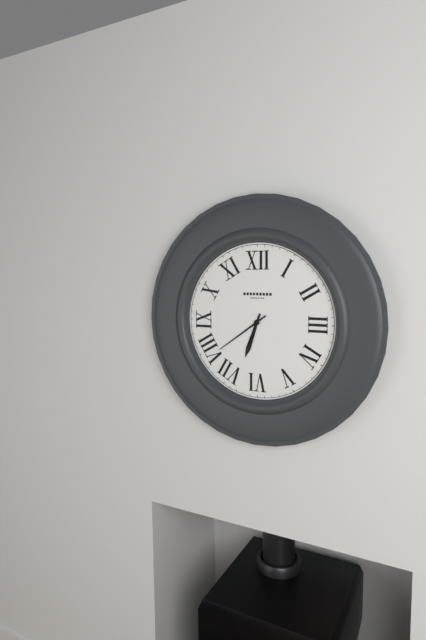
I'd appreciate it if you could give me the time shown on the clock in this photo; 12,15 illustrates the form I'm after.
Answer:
6,39
